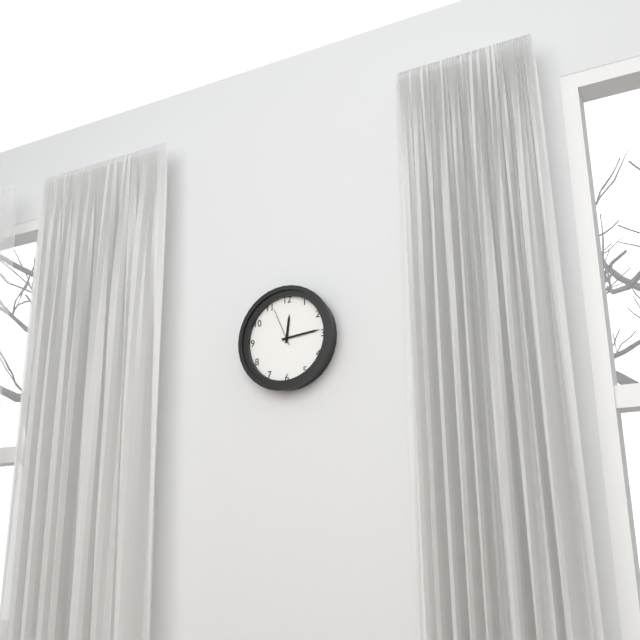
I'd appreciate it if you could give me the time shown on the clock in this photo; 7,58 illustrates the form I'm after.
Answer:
12,14
